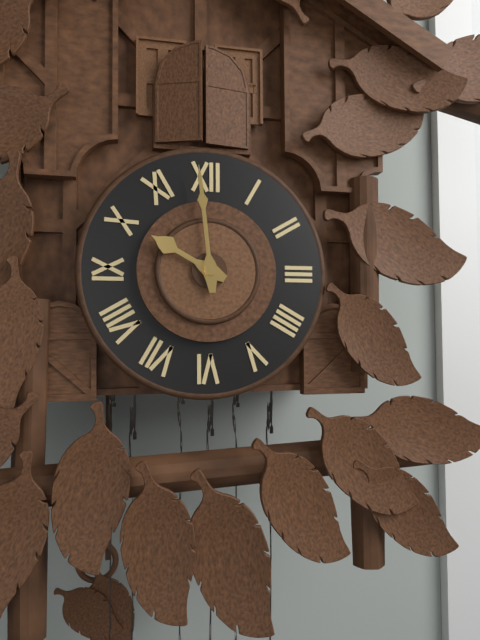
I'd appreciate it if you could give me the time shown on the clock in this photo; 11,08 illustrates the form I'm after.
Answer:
9,59
